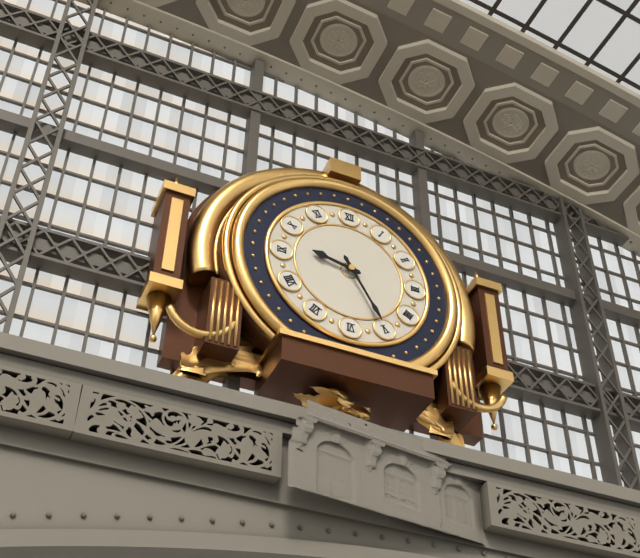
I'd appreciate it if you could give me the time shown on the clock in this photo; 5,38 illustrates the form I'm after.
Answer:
9,25
